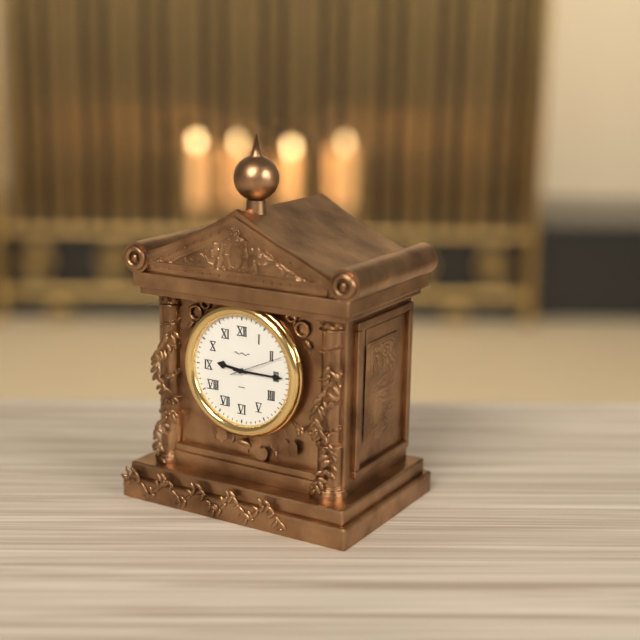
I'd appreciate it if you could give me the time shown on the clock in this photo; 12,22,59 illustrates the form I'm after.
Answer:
9,15,11
